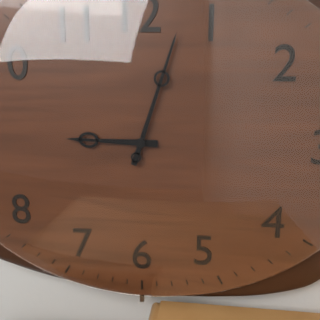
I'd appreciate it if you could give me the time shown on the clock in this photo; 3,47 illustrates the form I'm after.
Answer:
9,03
